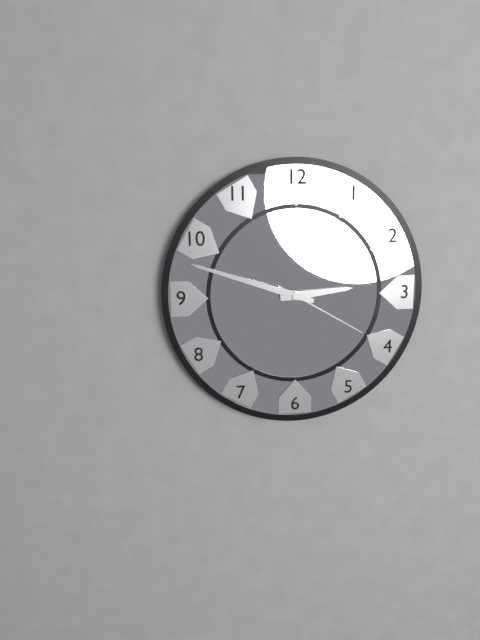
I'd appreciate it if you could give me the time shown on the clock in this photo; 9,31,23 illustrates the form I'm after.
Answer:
2,48,20
